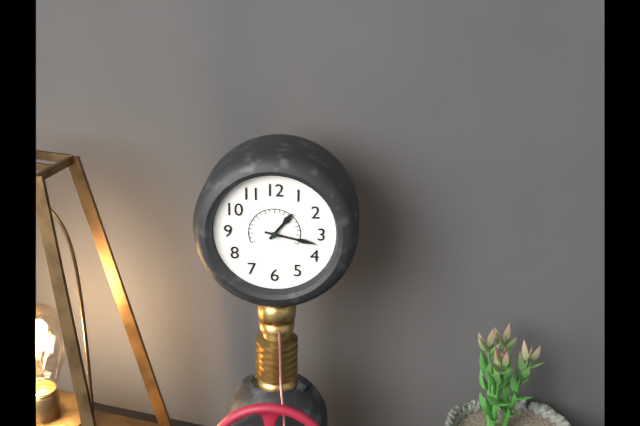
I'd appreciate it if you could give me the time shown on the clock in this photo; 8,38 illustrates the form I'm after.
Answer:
1,17
